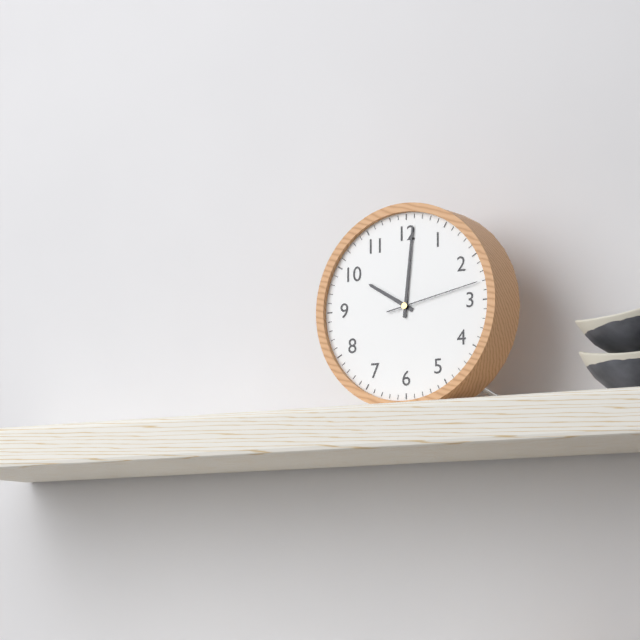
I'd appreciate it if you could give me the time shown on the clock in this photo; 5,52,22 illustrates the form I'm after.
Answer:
10,01,13
